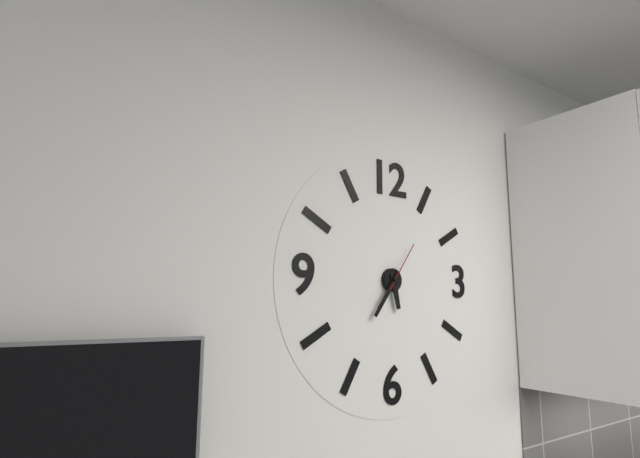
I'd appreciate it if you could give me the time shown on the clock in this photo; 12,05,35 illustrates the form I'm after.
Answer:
5,36,06
